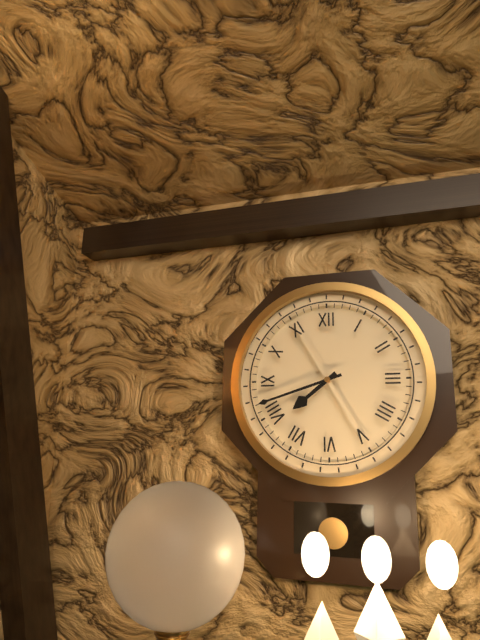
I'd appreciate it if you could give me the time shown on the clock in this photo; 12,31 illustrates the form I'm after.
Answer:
7,42
